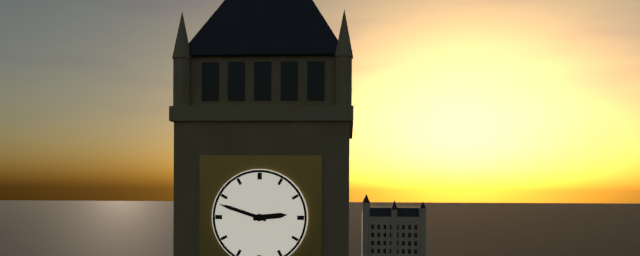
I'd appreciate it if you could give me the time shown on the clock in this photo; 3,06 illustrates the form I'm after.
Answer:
2,48
